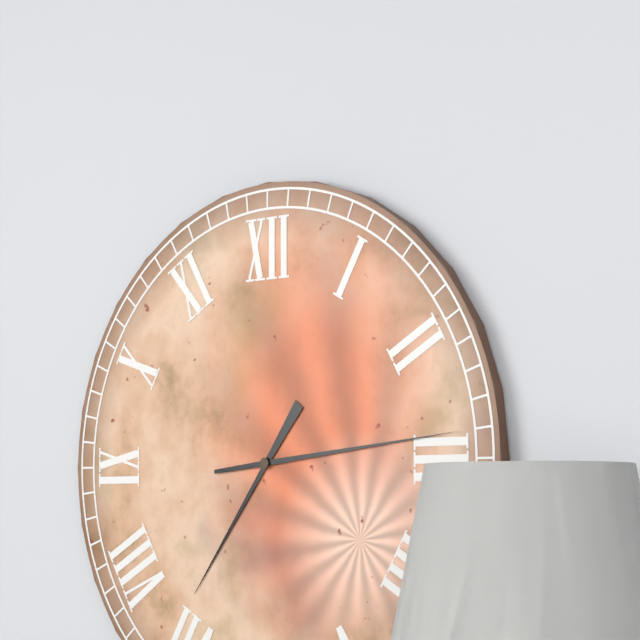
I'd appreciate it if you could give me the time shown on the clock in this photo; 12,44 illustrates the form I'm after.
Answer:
7,14
